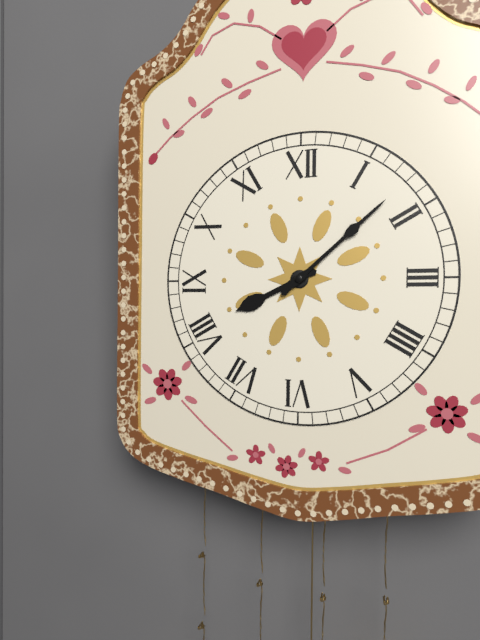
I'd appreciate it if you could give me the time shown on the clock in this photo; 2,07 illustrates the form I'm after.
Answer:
8,08
